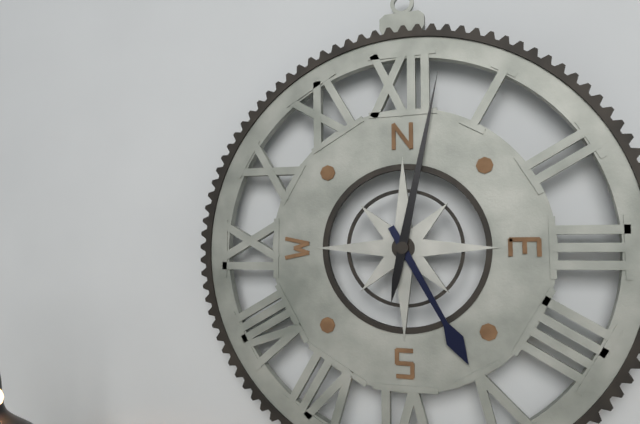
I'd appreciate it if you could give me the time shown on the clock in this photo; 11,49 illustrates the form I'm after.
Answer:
5,02
